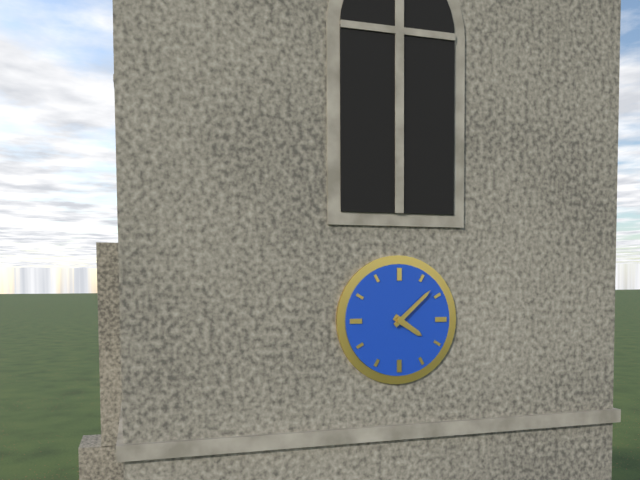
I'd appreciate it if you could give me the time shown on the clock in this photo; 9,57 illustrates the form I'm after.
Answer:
4,08
